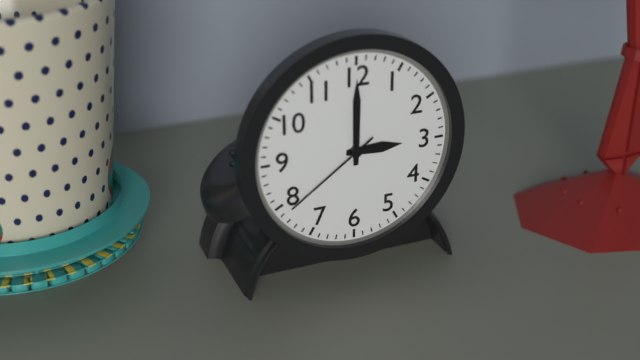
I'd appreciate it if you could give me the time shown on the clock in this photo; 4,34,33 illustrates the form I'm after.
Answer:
3,00,39
